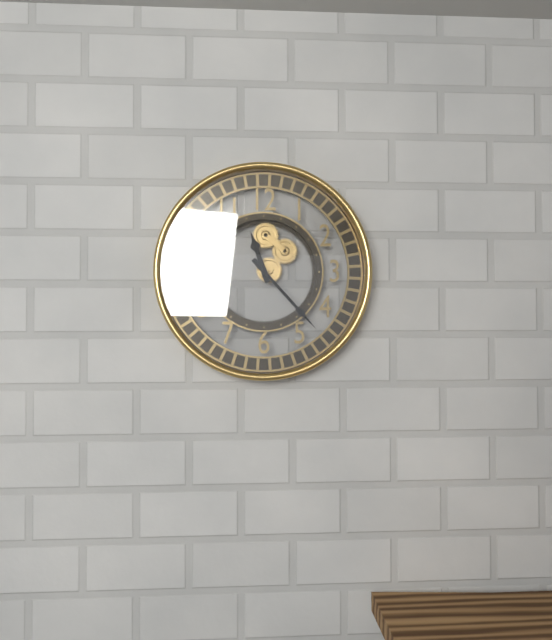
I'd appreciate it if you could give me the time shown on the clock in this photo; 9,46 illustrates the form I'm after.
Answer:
11,23
